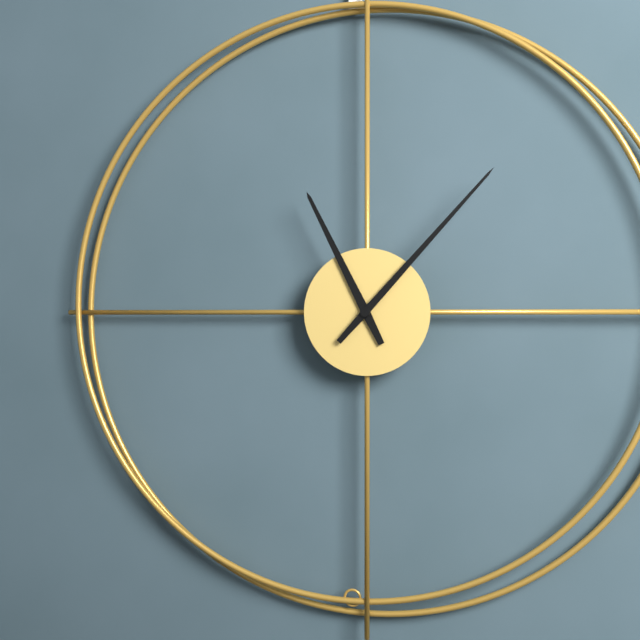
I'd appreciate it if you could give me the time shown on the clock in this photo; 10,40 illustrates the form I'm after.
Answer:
11,07
